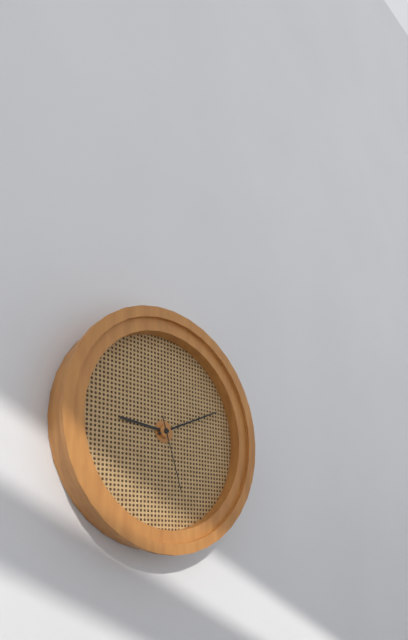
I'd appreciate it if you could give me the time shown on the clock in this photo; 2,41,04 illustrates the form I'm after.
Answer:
9,11,27
